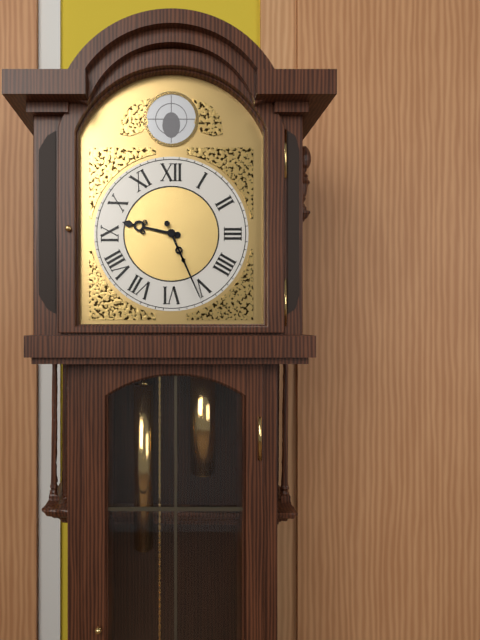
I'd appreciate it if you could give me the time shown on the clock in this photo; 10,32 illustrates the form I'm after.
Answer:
9,26
